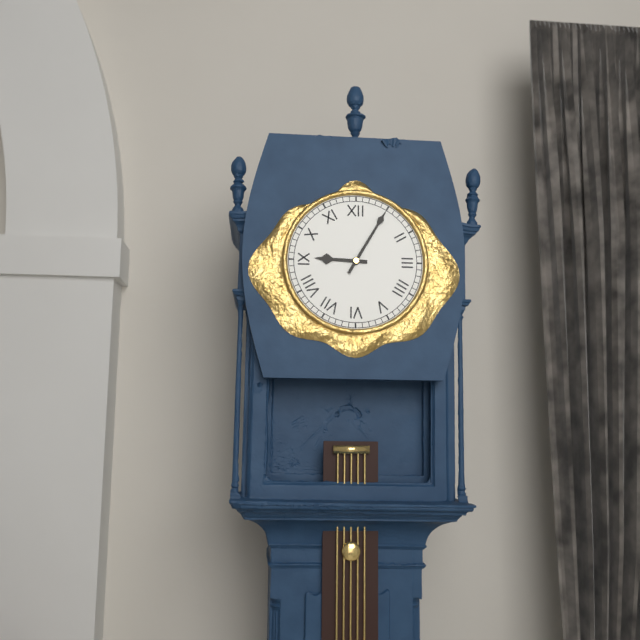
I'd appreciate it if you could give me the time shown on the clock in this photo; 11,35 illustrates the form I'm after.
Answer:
9,05
